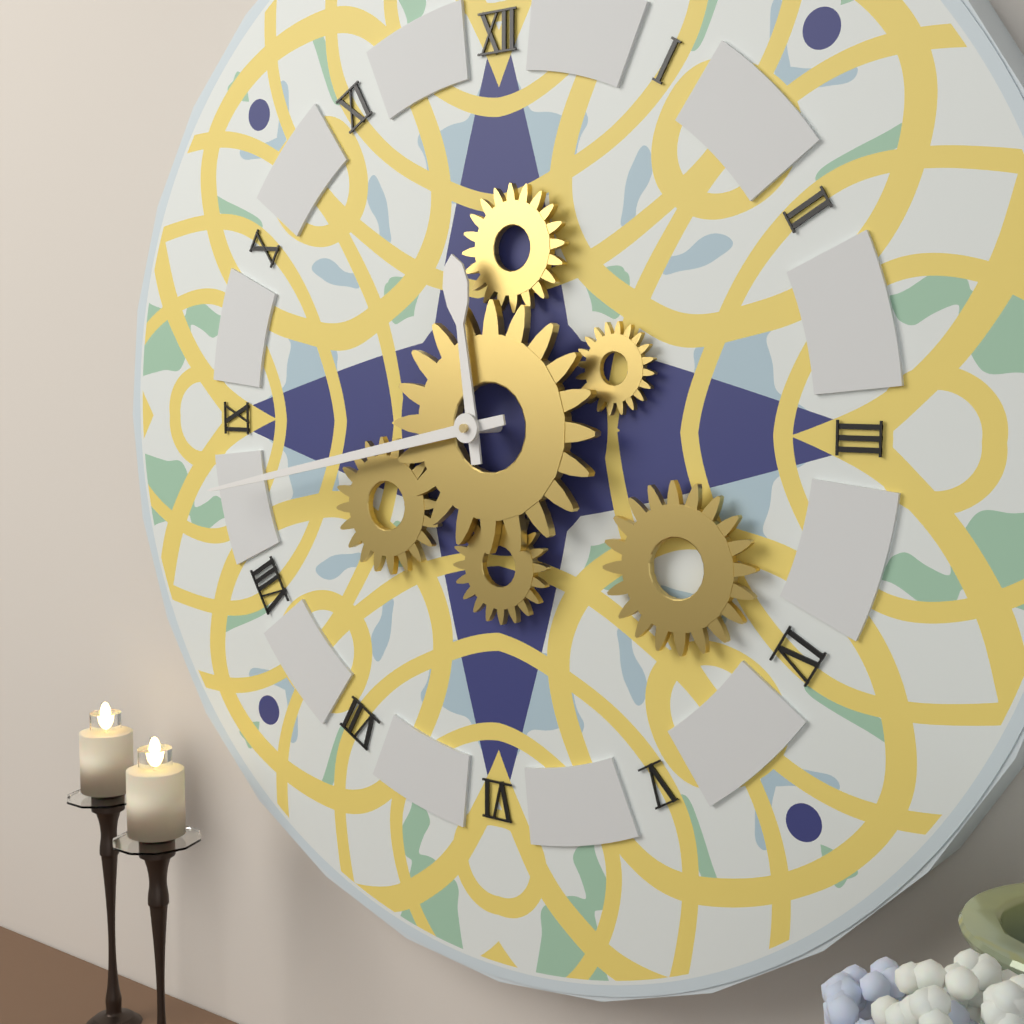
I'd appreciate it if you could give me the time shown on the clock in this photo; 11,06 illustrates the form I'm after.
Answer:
11,43
